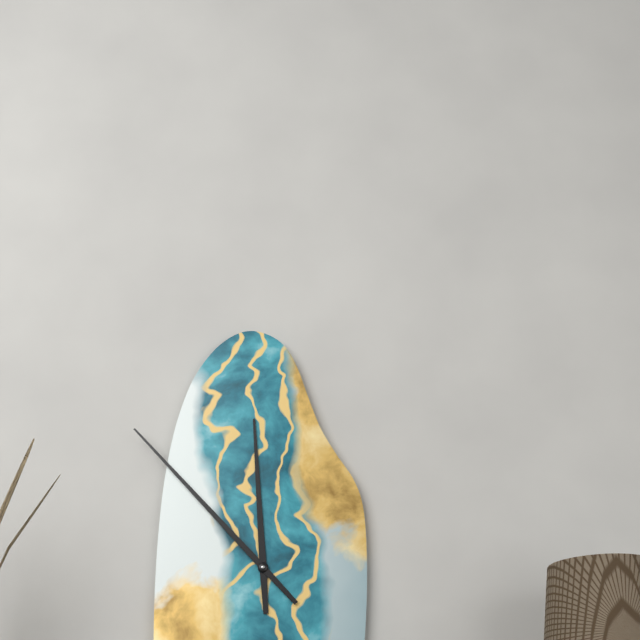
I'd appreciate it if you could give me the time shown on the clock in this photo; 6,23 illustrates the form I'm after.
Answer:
11,53
